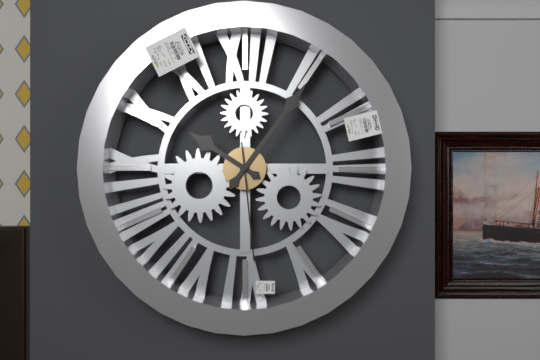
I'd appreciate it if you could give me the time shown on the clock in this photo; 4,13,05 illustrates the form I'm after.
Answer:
10,06,29
